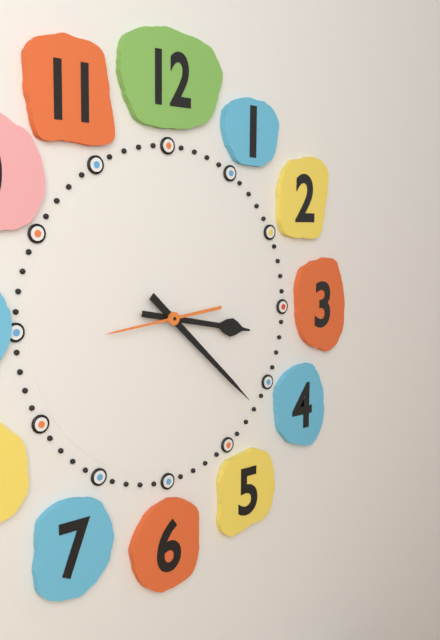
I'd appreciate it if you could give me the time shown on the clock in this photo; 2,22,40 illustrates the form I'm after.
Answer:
3,22,44
